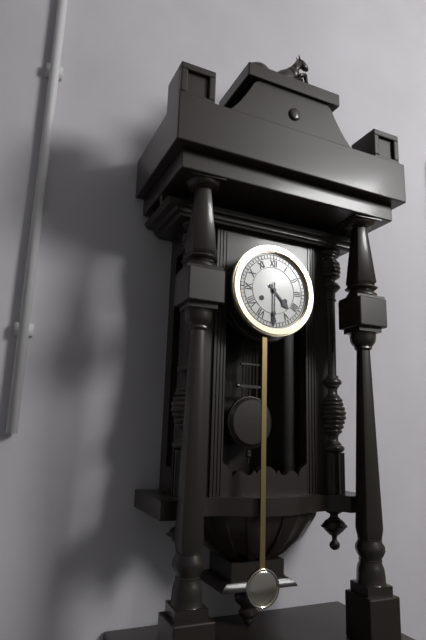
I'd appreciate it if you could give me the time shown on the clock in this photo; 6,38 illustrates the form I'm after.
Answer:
4,30
